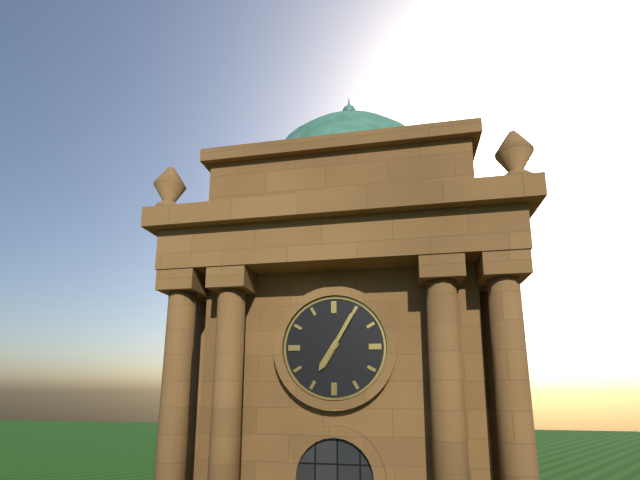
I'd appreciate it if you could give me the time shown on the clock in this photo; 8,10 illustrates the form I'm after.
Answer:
7,05
